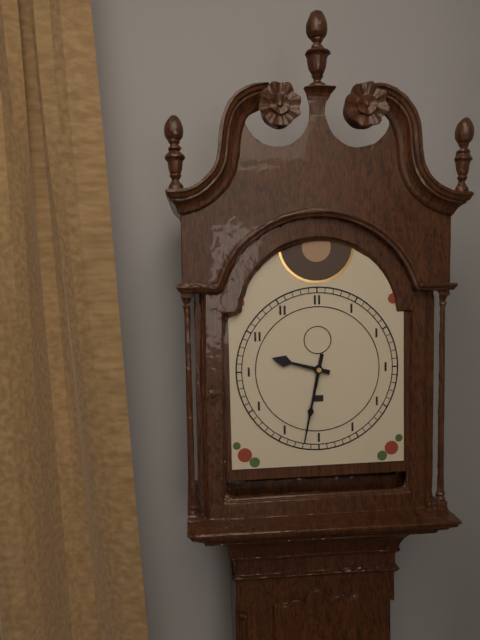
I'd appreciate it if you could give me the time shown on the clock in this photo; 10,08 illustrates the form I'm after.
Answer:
9,32
